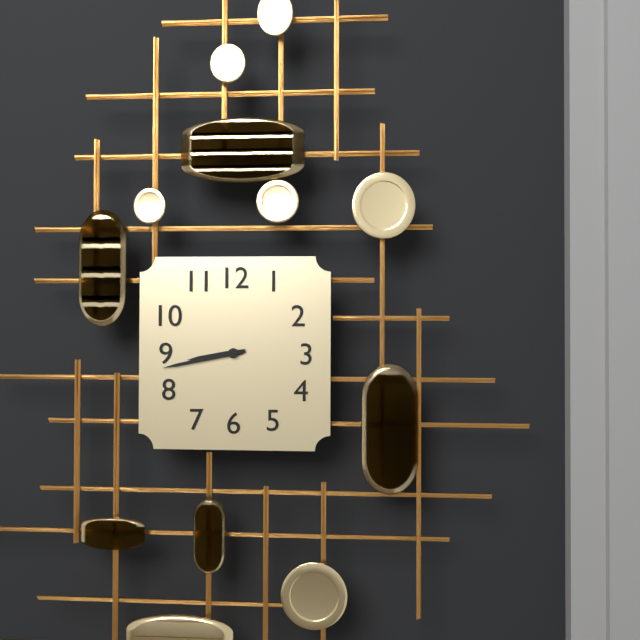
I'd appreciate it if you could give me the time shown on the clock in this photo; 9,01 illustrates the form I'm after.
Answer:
8,43
